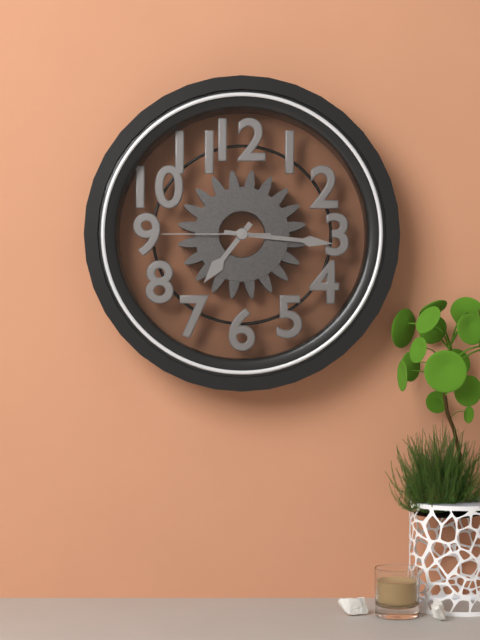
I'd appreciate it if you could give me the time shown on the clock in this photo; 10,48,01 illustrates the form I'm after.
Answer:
7,16,45
